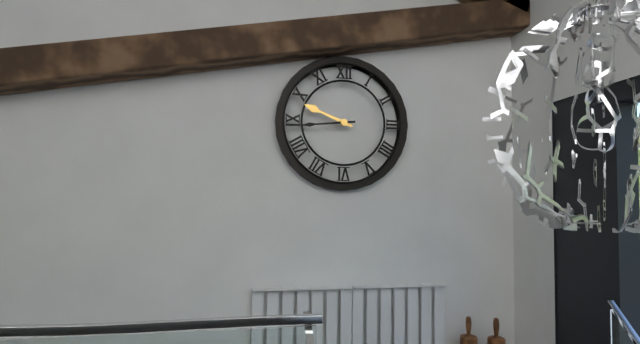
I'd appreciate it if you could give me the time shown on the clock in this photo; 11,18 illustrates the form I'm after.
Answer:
9,44
